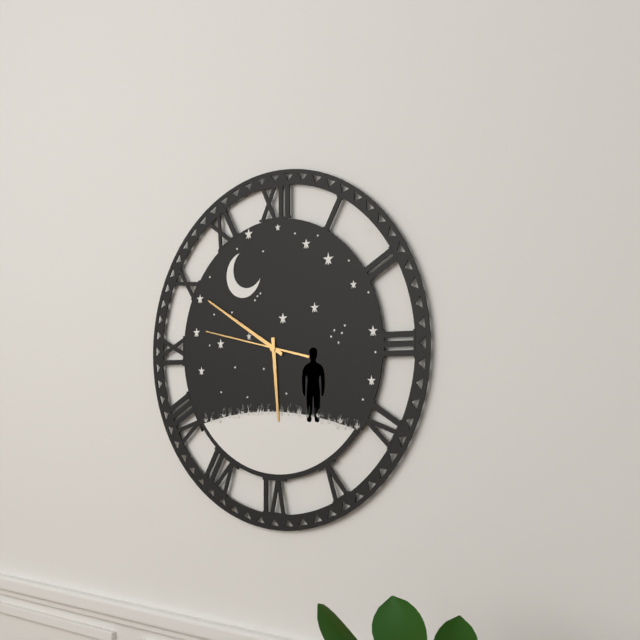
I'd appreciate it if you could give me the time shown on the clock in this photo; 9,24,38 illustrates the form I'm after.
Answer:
5,50,47
